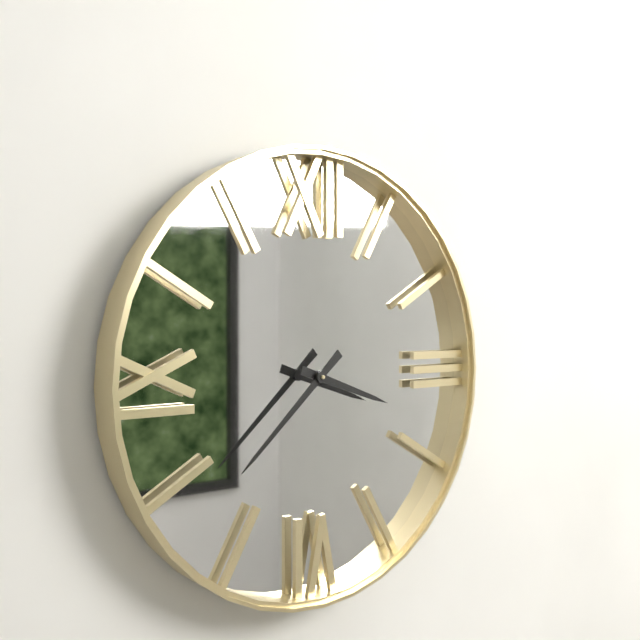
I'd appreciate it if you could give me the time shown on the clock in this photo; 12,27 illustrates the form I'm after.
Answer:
3,38
